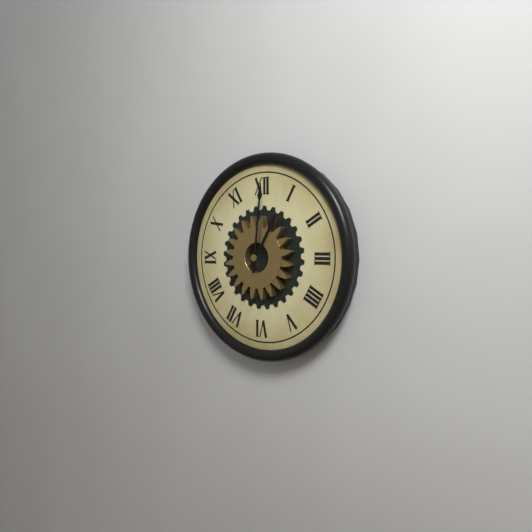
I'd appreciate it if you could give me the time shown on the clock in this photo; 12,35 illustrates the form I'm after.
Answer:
1,01
